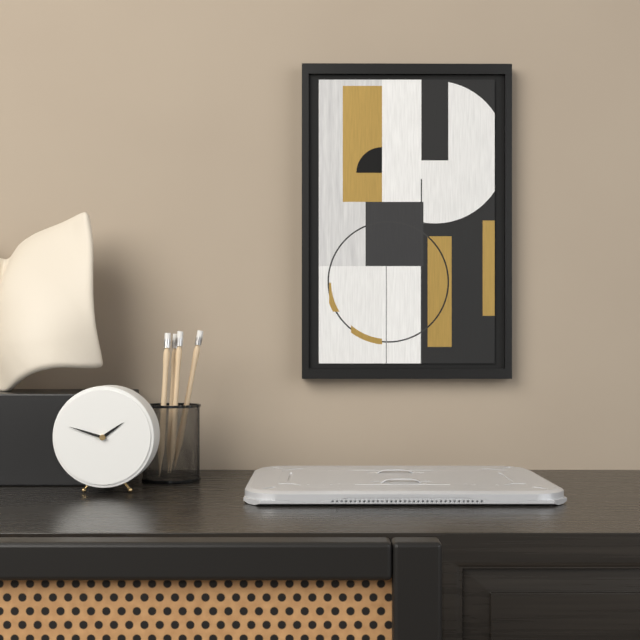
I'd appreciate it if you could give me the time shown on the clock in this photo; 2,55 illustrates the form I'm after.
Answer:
1,48
